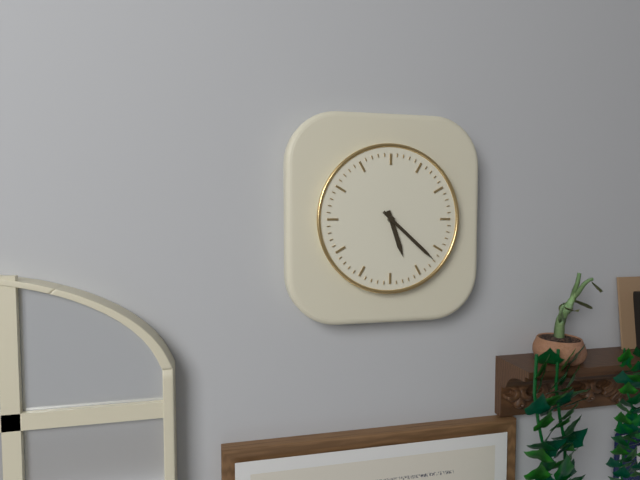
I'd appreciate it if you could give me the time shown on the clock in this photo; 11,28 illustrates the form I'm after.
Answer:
5,22
